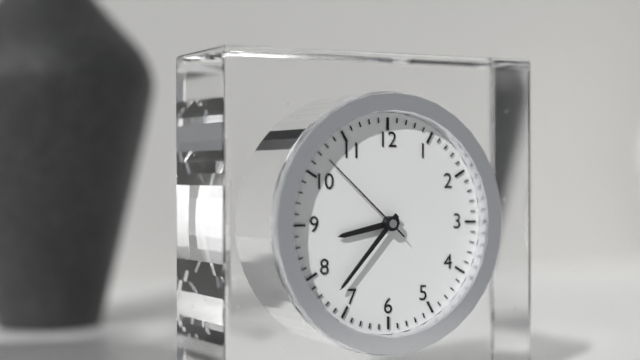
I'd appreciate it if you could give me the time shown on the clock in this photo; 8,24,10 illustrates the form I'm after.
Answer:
8,37,52
